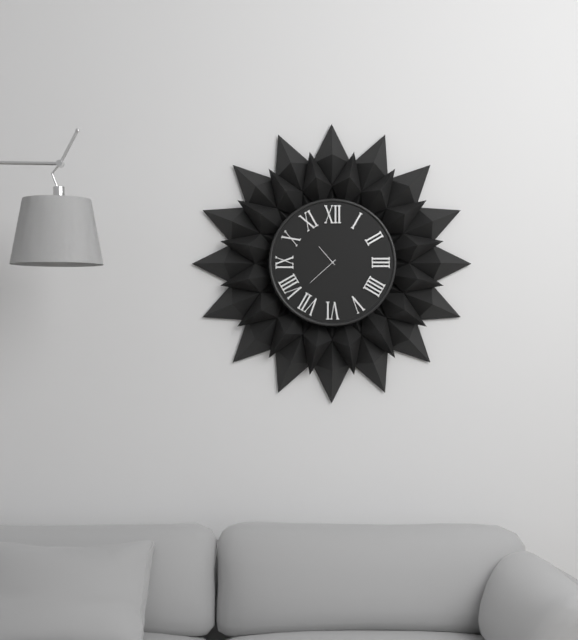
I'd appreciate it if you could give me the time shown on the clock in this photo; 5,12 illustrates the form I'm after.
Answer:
10,38
